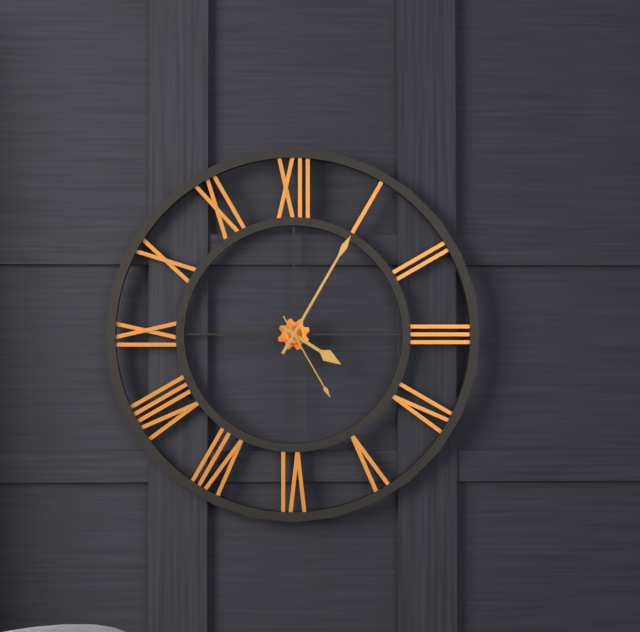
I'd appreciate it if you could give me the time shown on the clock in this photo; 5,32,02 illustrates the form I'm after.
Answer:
4,05,25
